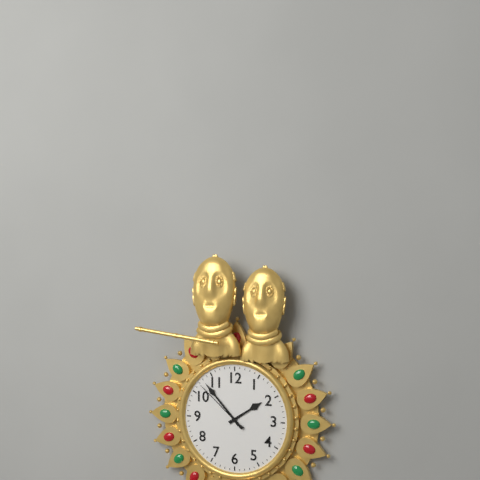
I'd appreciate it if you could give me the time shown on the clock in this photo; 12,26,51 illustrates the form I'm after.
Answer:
1,53,52
